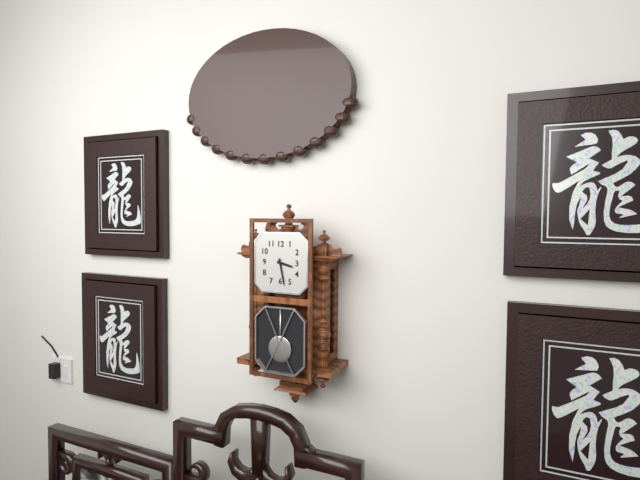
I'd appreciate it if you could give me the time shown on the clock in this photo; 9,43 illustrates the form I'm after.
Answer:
3,28
